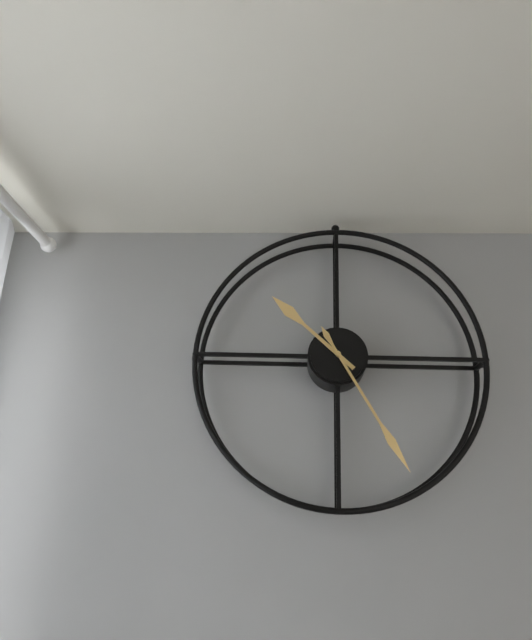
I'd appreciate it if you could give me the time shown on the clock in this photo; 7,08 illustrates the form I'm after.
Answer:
10,25
